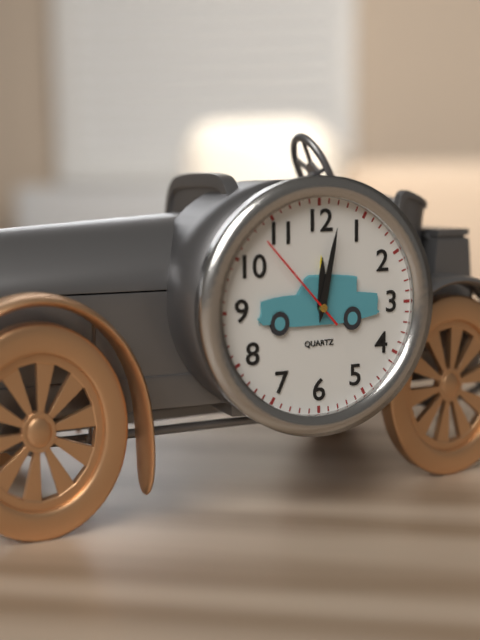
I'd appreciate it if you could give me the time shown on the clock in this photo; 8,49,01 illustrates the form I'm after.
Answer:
12,02,53
